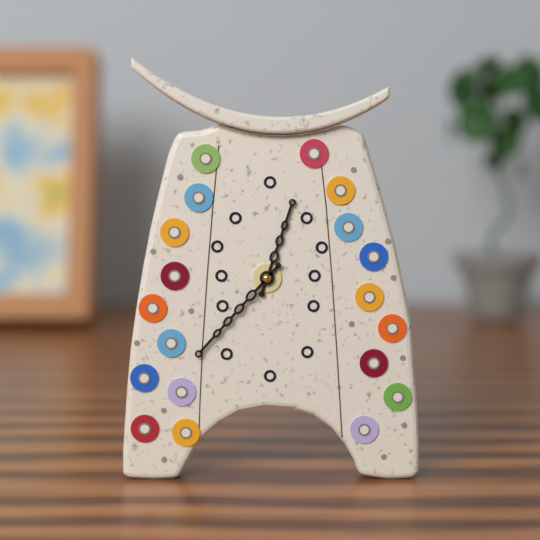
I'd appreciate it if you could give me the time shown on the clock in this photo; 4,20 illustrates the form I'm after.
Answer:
12,37
